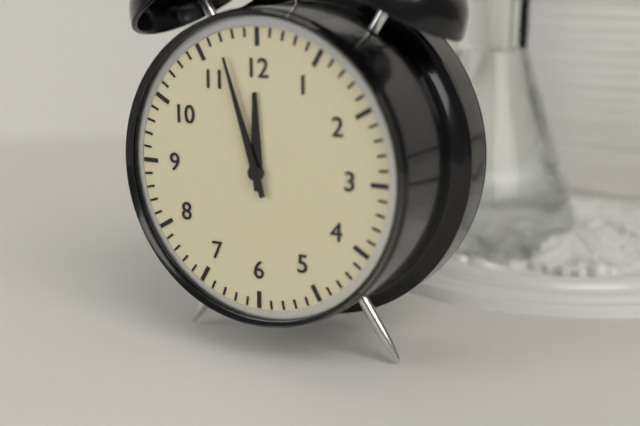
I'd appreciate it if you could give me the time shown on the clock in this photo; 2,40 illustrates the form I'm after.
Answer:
11,57
